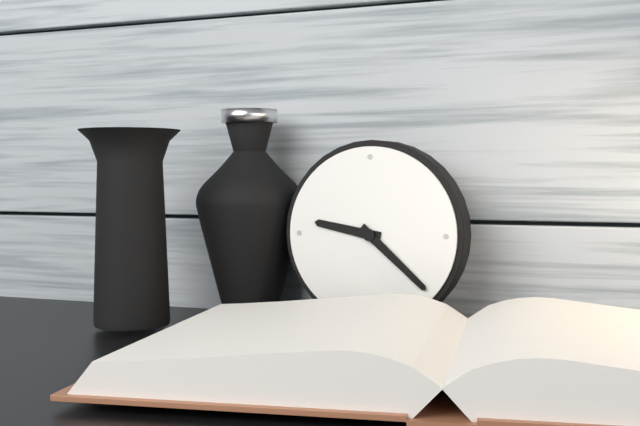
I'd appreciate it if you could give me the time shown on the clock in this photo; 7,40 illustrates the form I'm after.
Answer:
9,22
